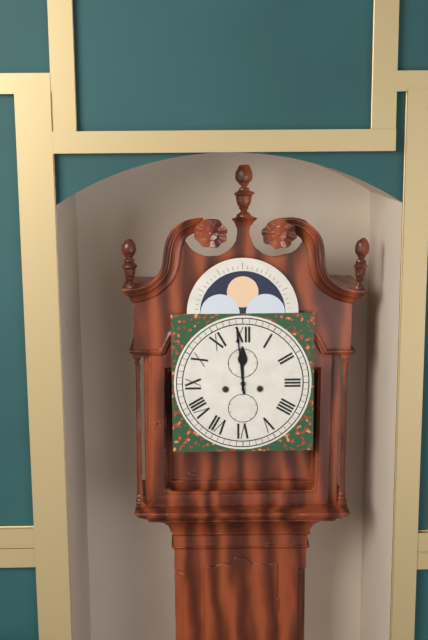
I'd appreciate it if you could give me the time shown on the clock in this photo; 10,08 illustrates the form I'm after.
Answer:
11,59
